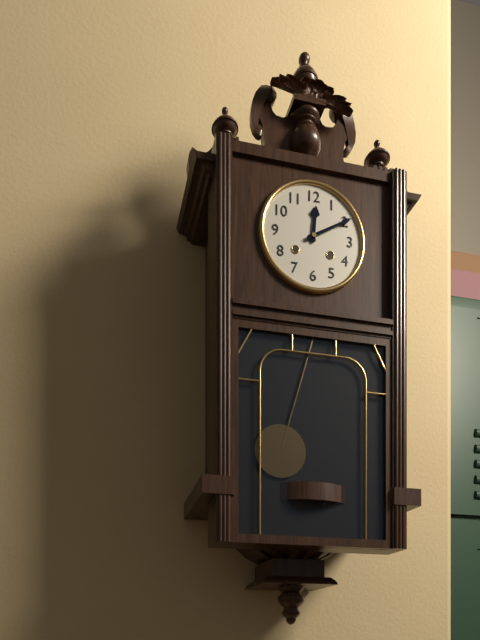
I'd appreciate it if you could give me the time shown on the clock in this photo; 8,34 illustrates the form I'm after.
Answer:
12,10
